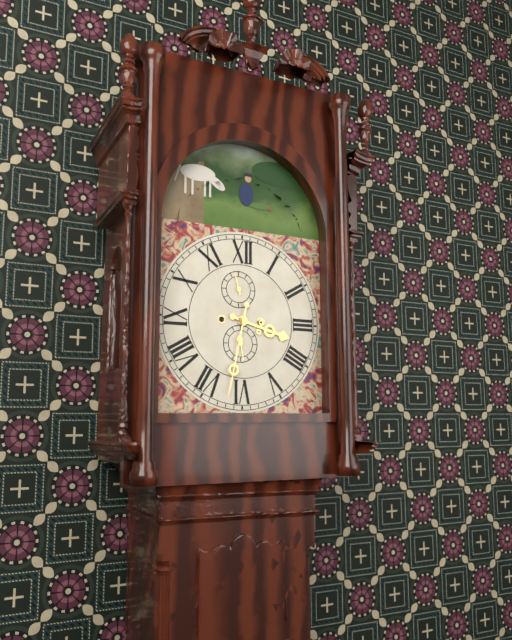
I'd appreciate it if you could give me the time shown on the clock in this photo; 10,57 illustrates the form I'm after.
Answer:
3,32
